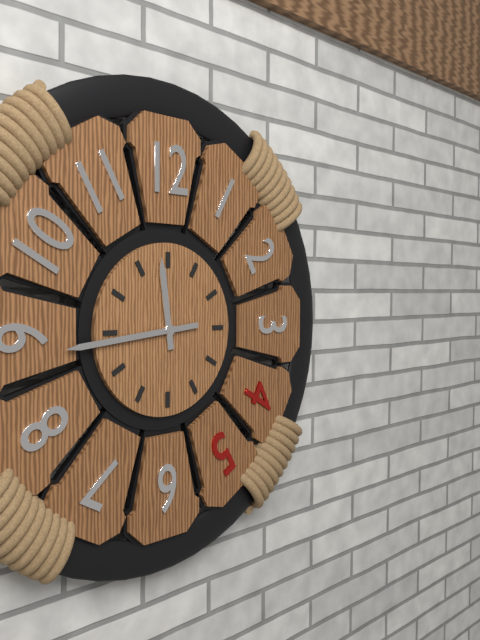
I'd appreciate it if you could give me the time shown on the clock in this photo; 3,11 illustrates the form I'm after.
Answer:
11,44
